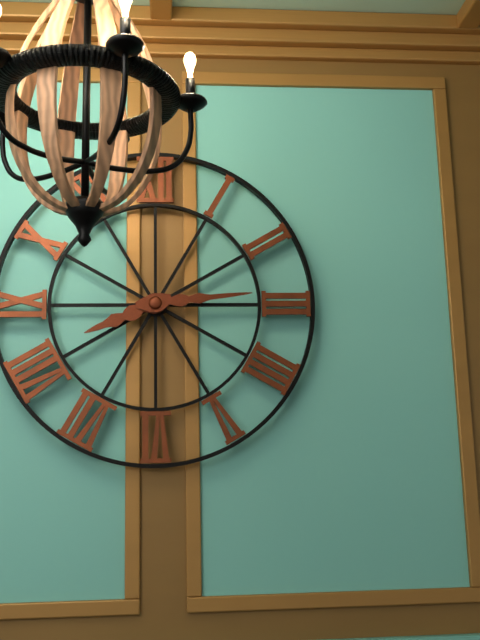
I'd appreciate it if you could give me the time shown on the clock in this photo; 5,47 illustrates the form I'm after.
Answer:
8,14
